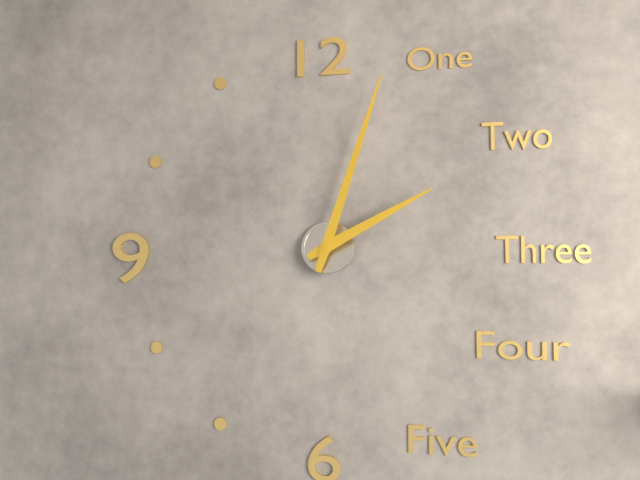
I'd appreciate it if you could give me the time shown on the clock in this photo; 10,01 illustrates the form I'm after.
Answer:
2,03
